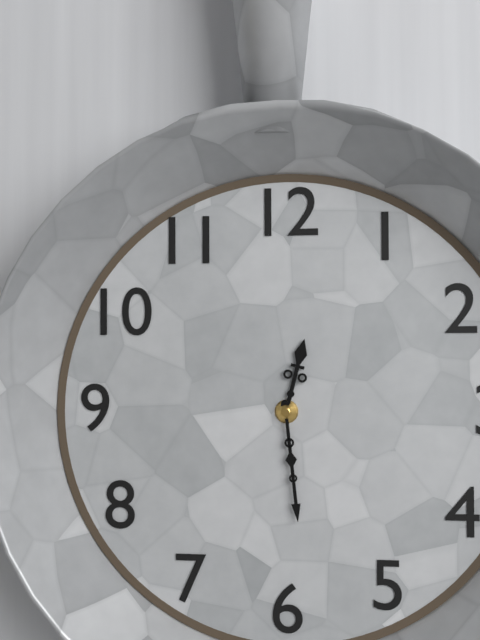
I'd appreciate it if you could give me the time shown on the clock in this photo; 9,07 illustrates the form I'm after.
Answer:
12,29
